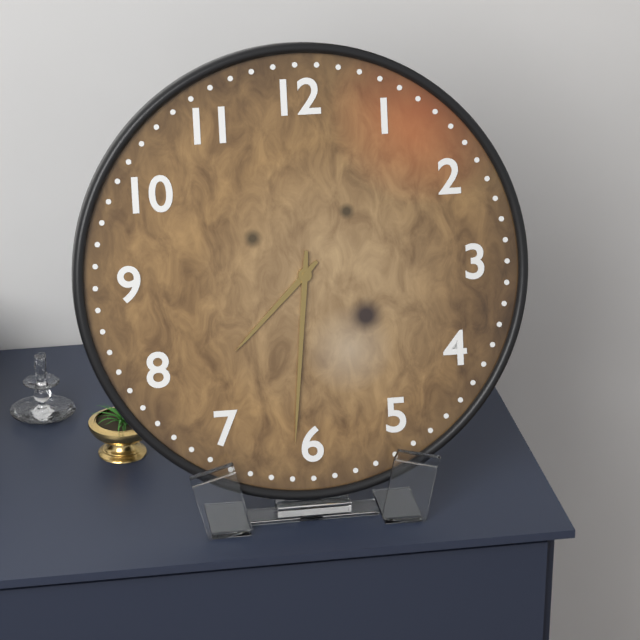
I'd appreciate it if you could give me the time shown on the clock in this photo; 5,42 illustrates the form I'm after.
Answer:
7,31
